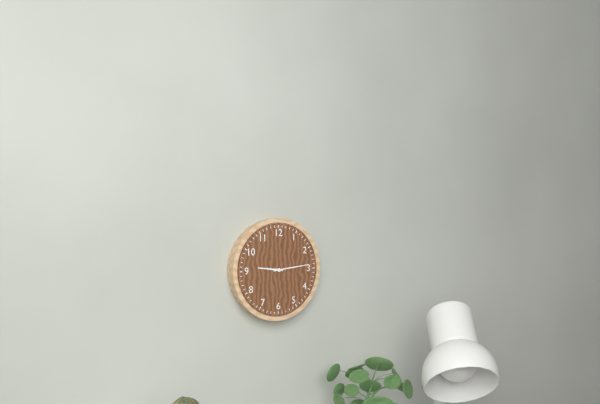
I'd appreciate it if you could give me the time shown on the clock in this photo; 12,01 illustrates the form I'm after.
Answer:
9,14
